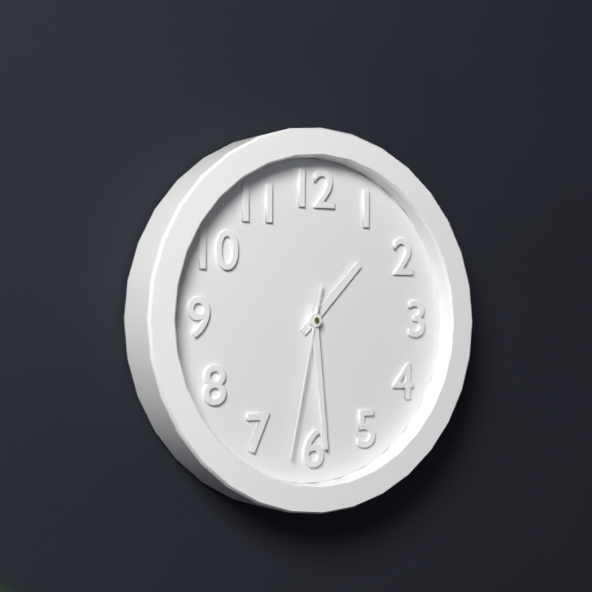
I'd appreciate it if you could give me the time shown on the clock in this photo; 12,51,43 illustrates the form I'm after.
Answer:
1,29,32
